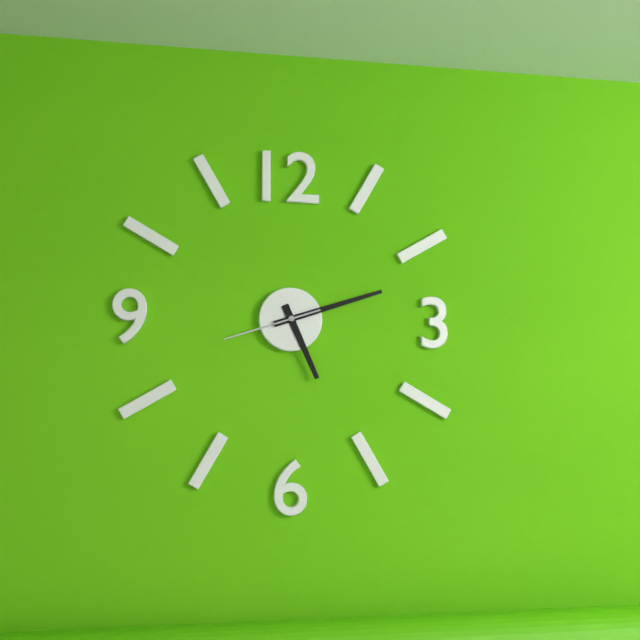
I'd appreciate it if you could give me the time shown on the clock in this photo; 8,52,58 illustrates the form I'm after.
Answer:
5,12,42
